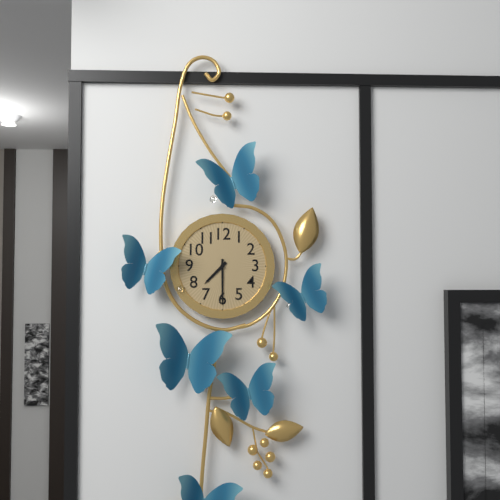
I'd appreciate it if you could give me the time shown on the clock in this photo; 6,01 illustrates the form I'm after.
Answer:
7,30
